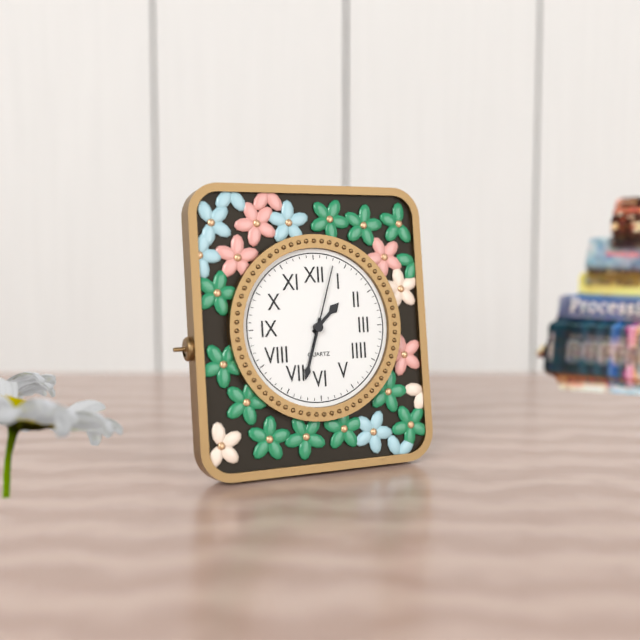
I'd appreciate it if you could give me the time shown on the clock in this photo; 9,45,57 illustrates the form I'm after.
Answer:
1,33,03
